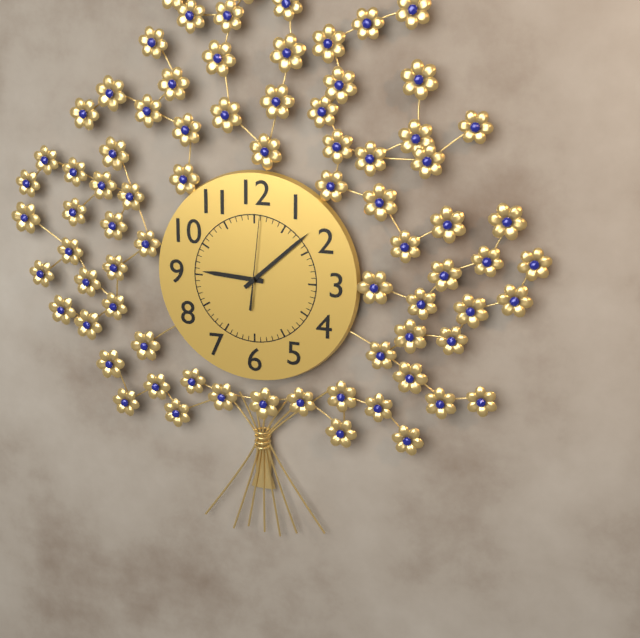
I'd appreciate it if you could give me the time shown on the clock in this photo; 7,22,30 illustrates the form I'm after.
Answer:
9,08,01
